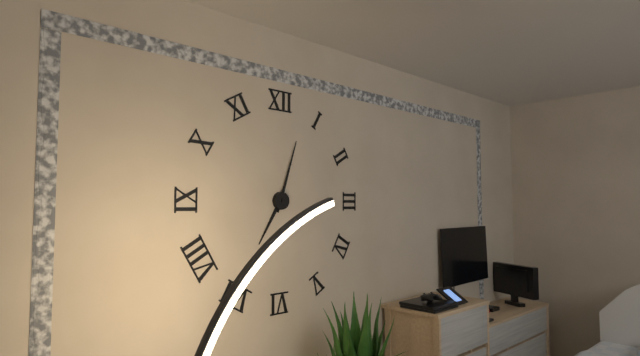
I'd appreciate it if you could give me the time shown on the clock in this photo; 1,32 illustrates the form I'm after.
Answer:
7,03
